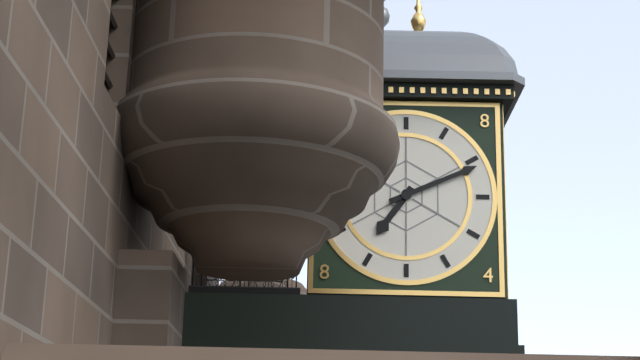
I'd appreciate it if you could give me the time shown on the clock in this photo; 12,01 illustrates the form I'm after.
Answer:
7,11
